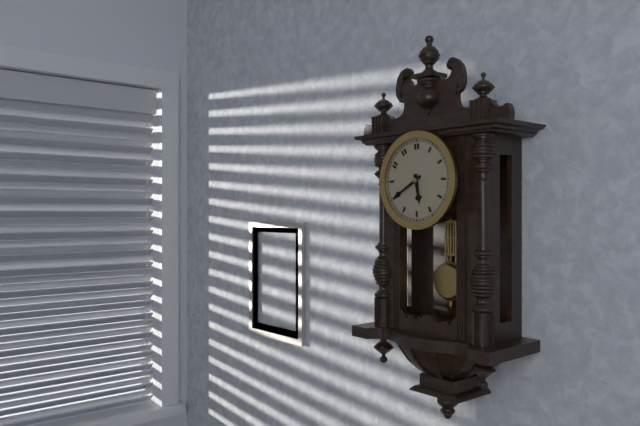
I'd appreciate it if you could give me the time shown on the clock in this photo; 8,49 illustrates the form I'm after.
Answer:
5,40
